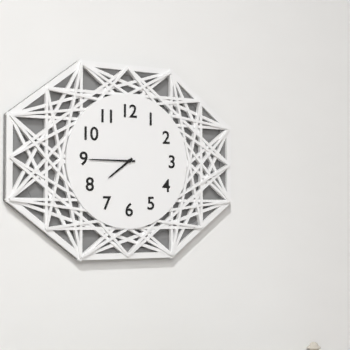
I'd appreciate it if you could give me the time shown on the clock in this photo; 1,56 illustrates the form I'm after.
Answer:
7,45
